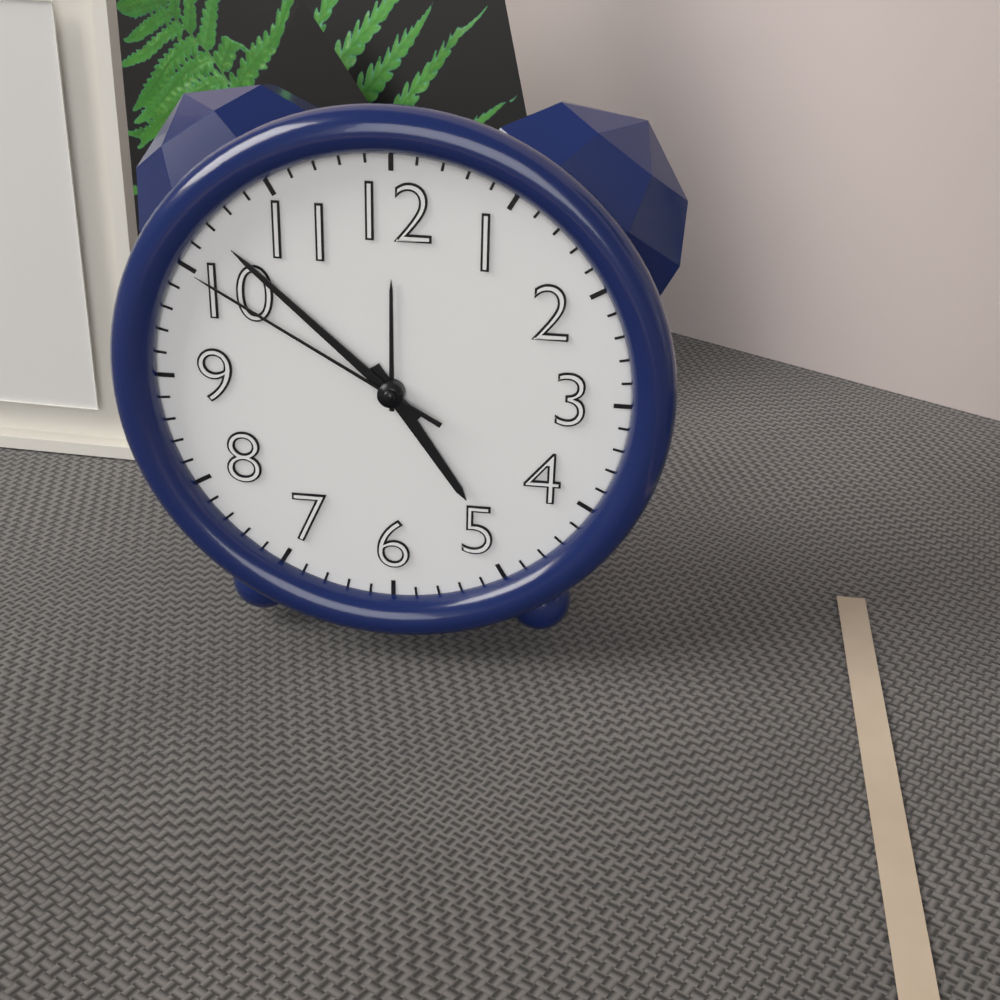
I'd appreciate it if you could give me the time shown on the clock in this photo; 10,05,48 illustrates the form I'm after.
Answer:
4,52,50
